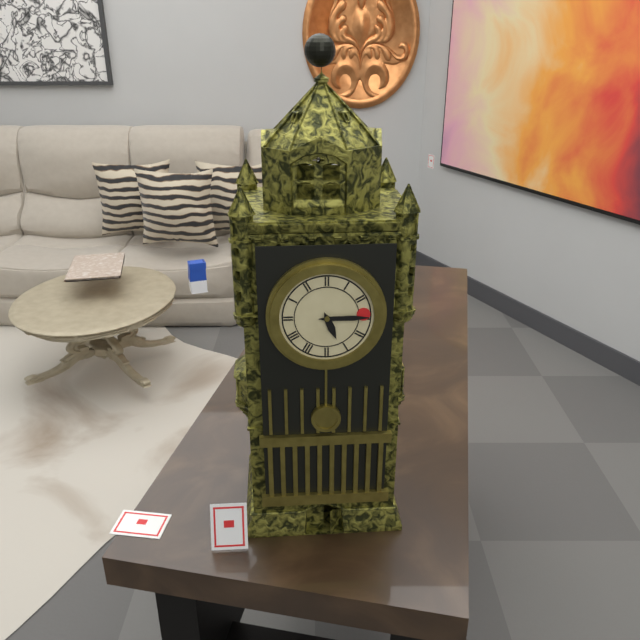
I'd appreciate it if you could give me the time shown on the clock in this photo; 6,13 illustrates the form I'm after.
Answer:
5,15
